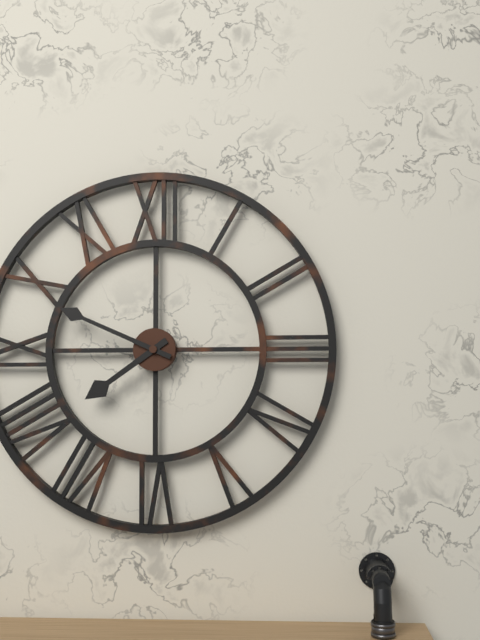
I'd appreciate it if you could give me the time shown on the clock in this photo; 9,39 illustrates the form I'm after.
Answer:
7,49
